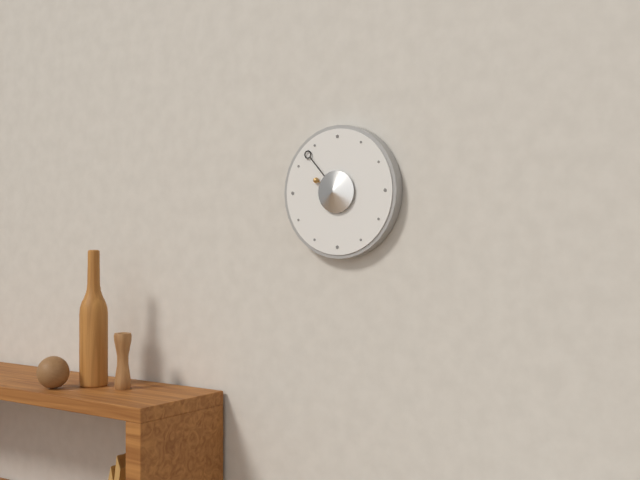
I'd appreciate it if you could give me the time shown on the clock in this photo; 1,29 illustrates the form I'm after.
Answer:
9,53
